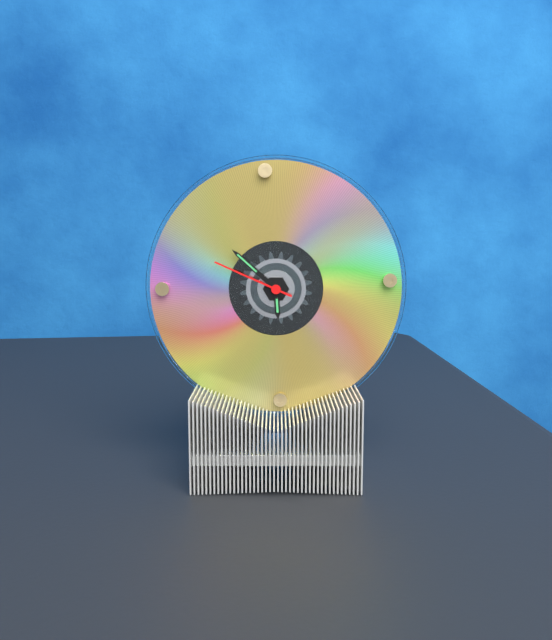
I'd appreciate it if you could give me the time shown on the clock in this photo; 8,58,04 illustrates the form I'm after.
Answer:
5,52,49
